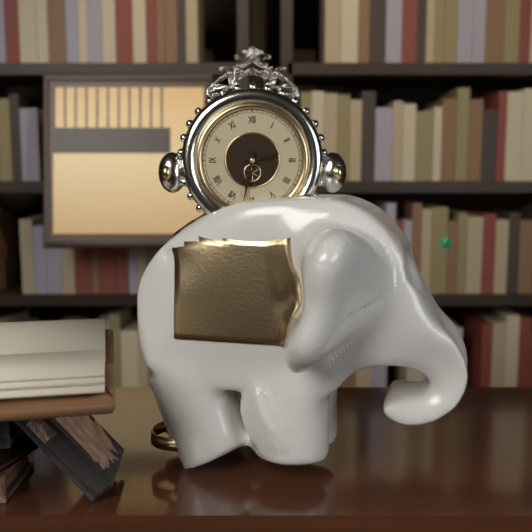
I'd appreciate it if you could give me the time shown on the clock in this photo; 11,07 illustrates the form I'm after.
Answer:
2,32
